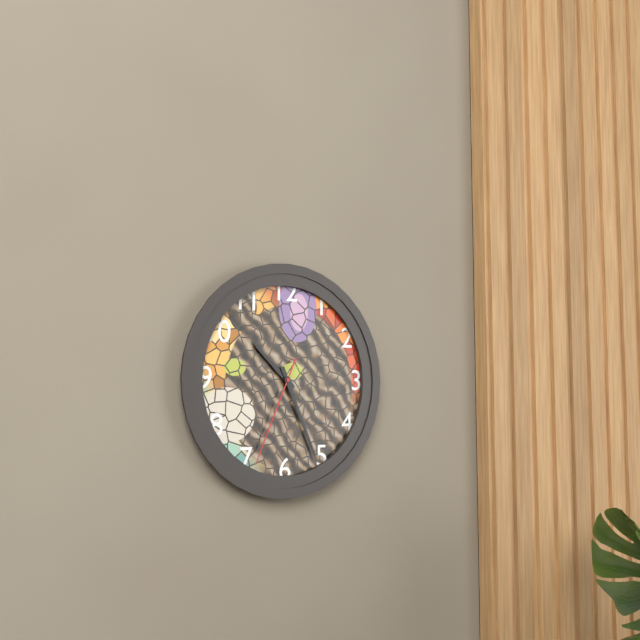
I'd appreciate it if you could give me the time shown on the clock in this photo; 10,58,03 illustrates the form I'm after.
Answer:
10,26,34
